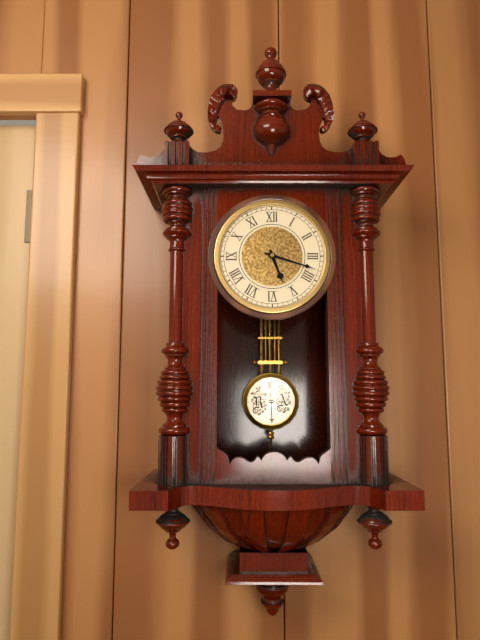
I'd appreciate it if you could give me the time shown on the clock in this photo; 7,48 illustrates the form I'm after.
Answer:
5,18
